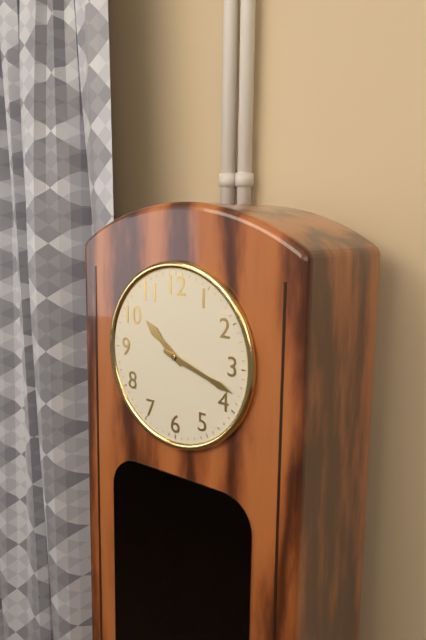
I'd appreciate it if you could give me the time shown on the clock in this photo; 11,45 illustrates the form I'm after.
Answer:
10,18
